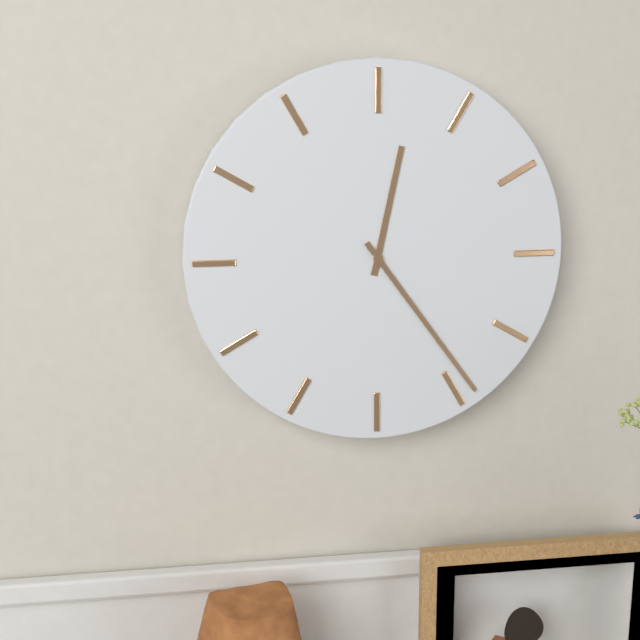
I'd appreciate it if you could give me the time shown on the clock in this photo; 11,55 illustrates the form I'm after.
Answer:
12,24
